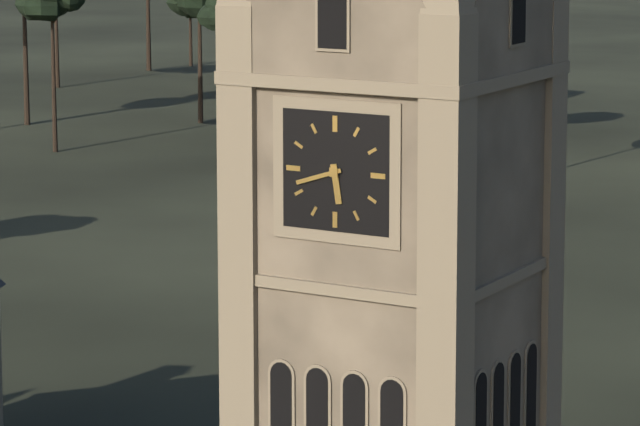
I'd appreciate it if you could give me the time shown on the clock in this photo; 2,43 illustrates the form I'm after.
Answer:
5,42
